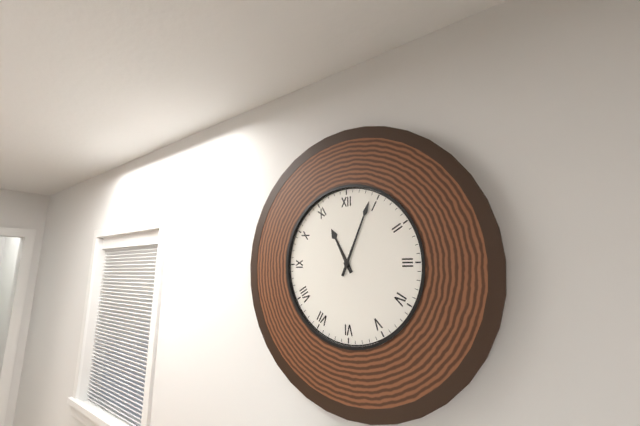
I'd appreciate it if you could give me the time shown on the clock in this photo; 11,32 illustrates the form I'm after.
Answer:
11,04
